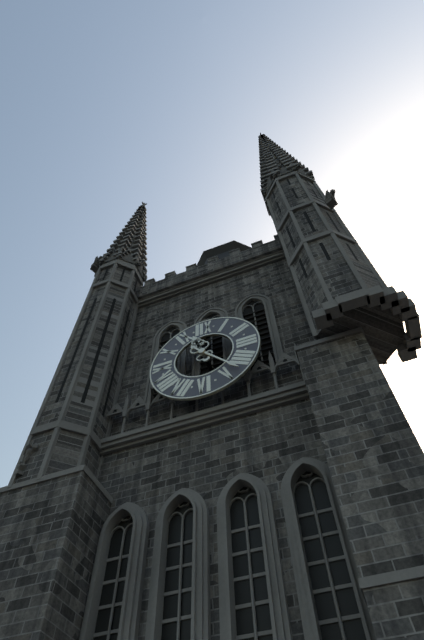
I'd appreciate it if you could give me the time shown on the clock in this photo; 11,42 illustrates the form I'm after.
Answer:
11,23
